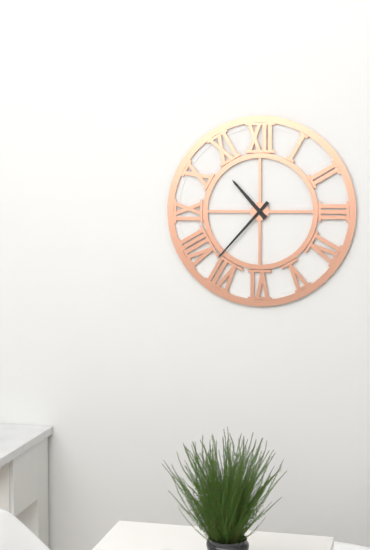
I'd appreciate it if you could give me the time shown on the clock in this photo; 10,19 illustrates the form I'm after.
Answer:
10,37
